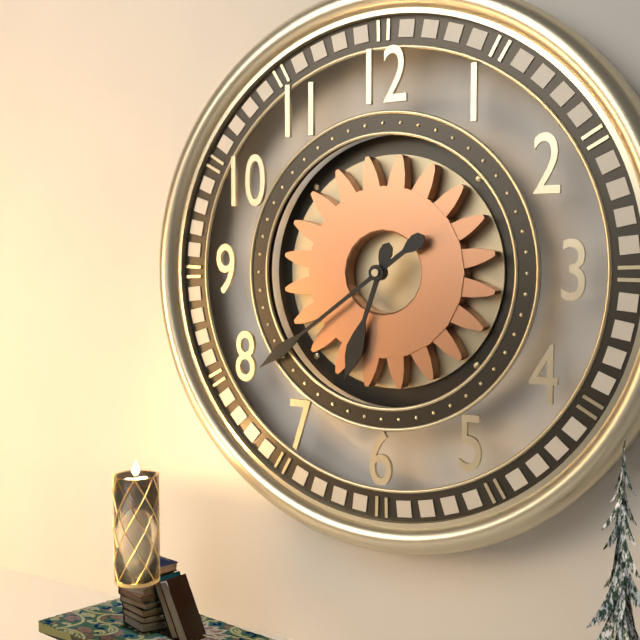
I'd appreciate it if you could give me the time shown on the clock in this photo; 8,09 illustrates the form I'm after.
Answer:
6,39
